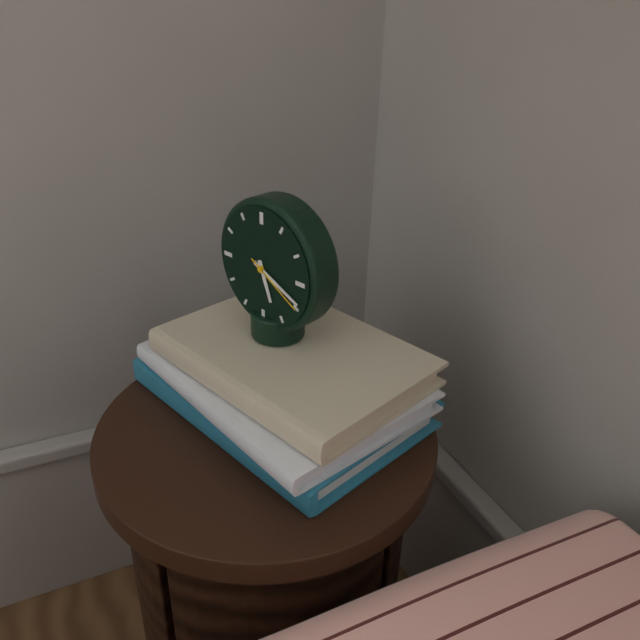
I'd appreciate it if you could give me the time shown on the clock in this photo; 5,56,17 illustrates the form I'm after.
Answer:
5,19,20
